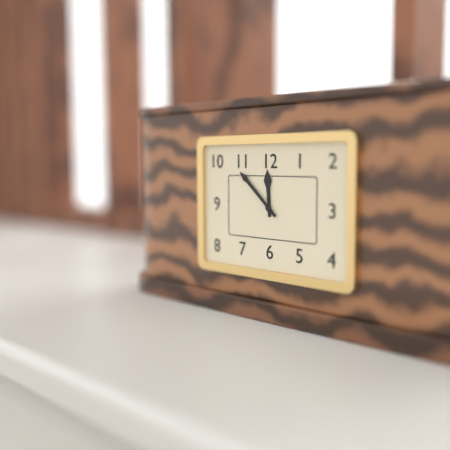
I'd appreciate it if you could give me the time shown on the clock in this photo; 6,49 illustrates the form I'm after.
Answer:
11,52
